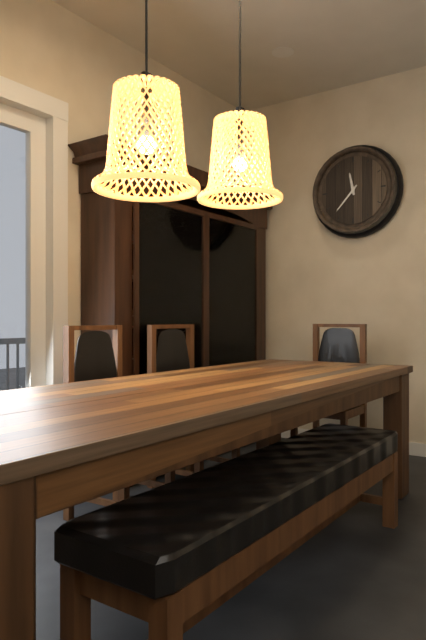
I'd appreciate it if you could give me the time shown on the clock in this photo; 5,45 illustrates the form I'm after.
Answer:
11,37
